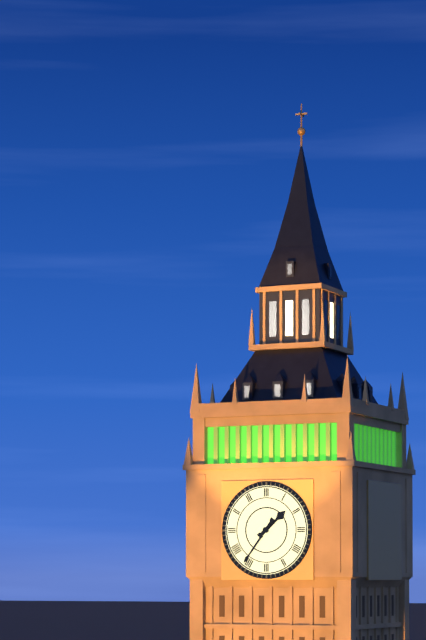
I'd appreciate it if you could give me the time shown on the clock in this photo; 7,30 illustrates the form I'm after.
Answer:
1,36
